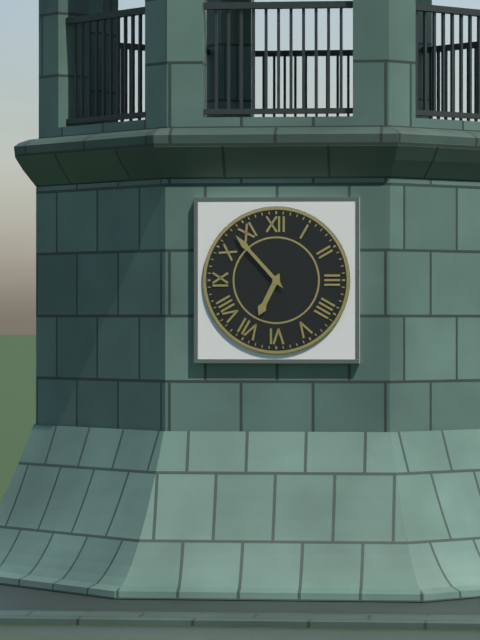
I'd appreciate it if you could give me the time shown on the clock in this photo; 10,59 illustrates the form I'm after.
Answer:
6,53
